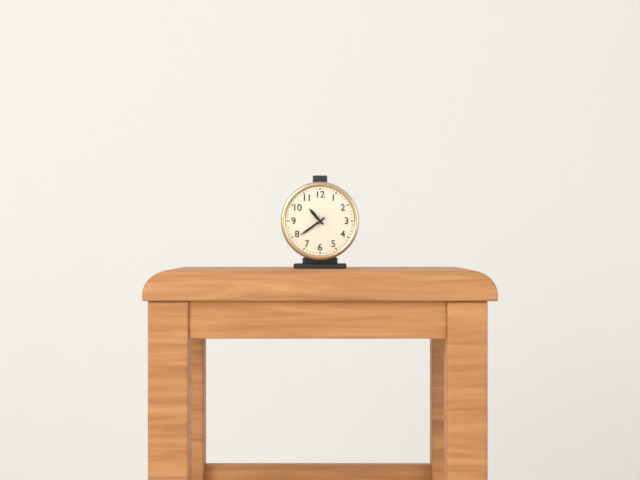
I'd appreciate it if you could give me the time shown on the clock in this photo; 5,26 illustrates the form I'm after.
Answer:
10,39
